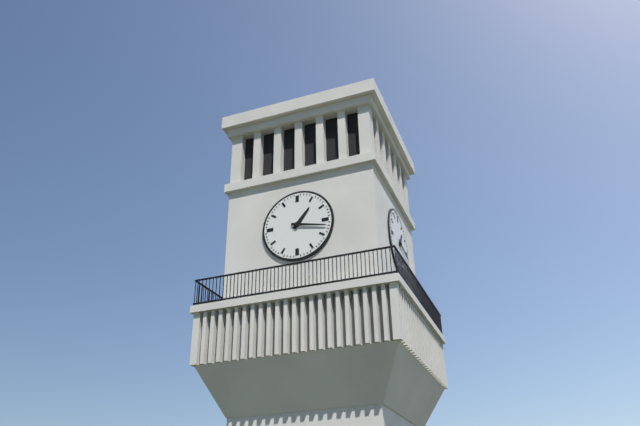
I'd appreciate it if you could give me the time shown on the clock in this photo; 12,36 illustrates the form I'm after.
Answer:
1,17
